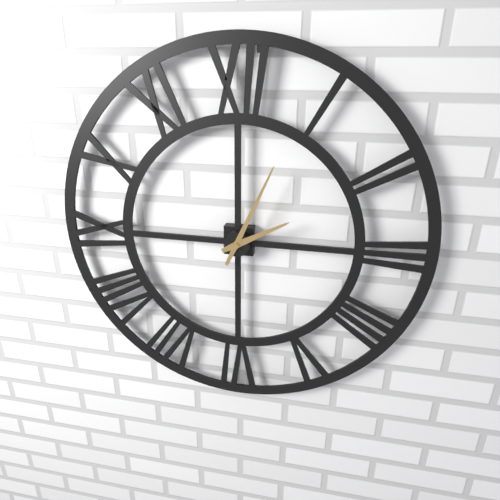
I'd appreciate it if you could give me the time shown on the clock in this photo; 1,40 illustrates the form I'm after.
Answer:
2,04
